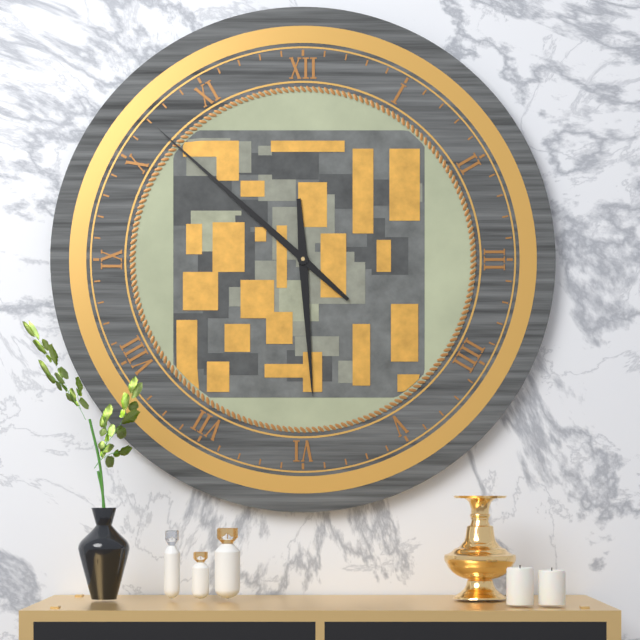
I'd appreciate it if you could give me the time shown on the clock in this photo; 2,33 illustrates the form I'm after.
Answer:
5,52
